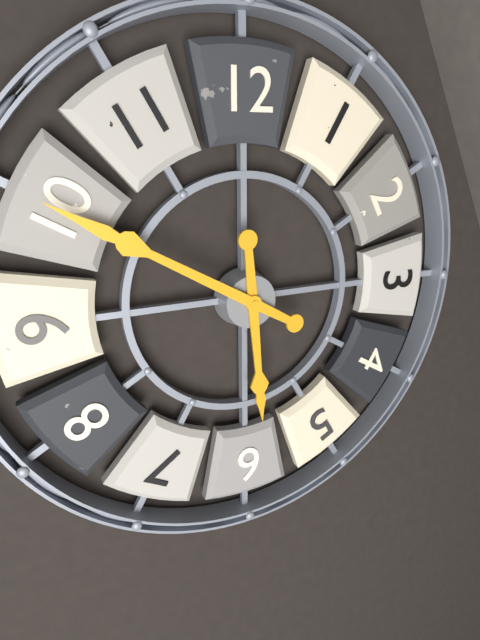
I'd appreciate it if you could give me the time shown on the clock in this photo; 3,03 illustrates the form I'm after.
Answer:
5,50
